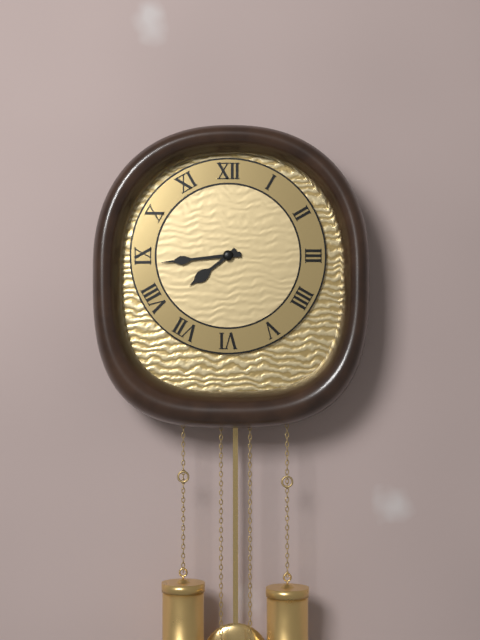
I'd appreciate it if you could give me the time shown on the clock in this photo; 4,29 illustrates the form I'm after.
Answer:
7,44
